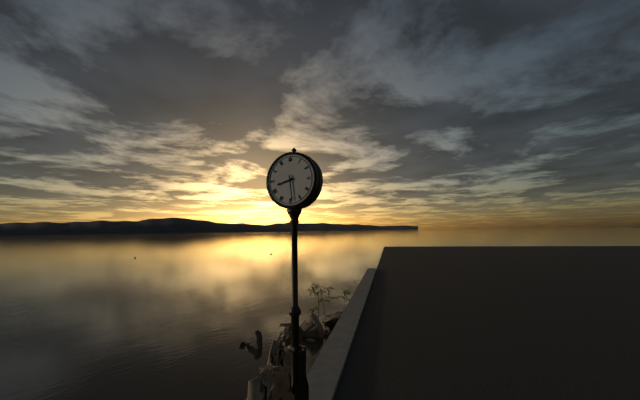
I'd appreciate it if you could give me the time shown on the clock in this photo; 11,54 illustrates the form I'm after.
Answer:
8,29
